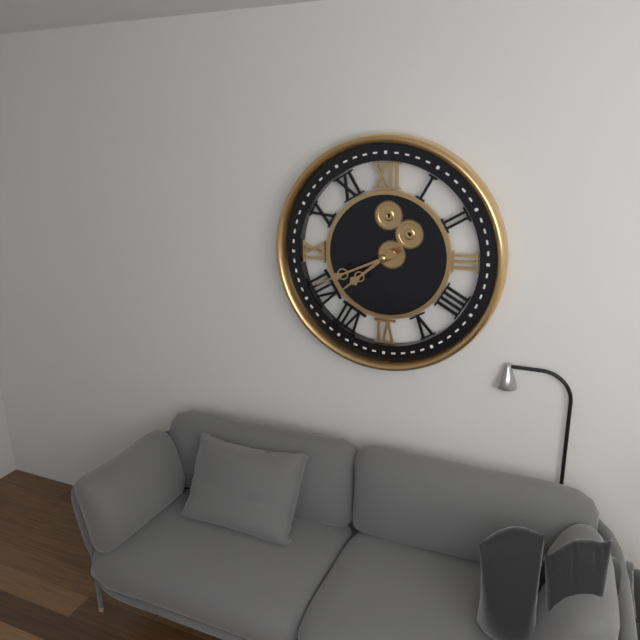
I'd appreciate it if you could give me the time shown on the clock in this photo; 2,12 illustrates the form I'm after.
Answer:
7,41
